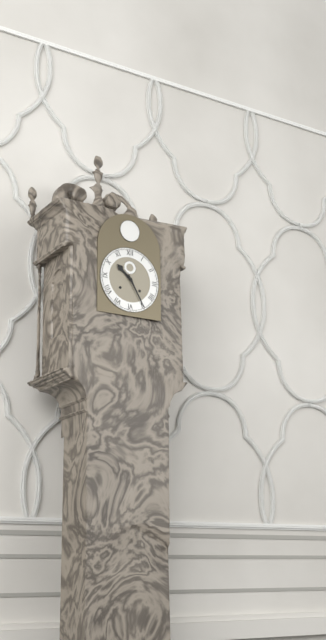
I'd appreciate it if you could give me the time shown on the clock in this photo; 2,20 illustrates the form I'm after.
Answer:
10,25
